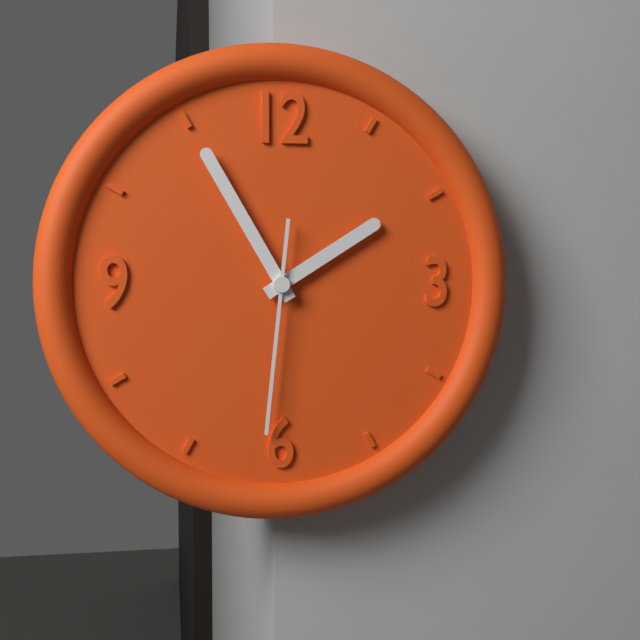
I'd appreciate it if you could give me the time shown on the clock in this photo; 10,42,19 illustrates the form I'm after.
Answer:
1,55,31
